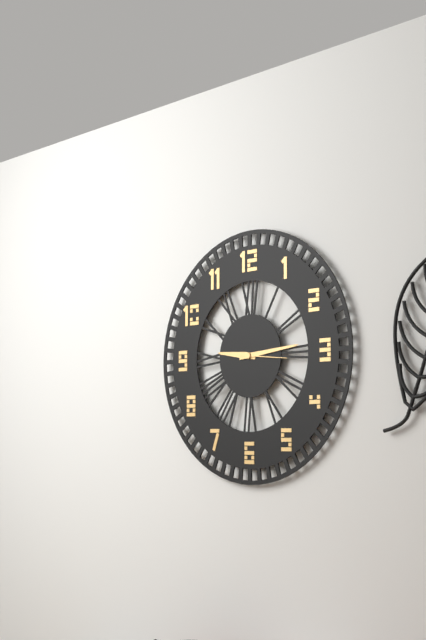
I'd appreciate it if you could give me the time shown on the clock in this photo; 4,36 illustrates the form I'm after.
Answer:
9,14
